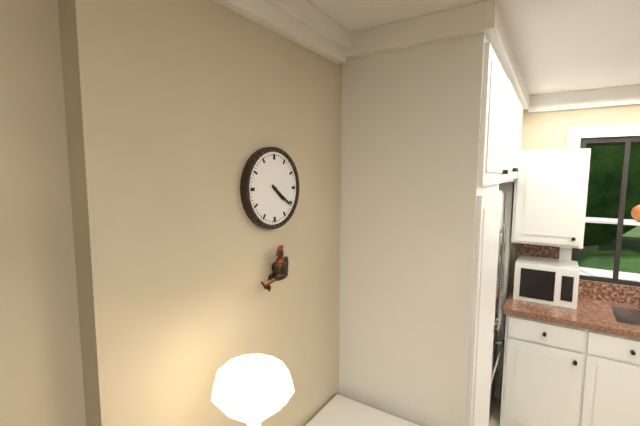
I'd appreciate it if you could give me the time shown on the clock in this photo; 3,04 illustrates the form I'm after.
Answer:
4,21
